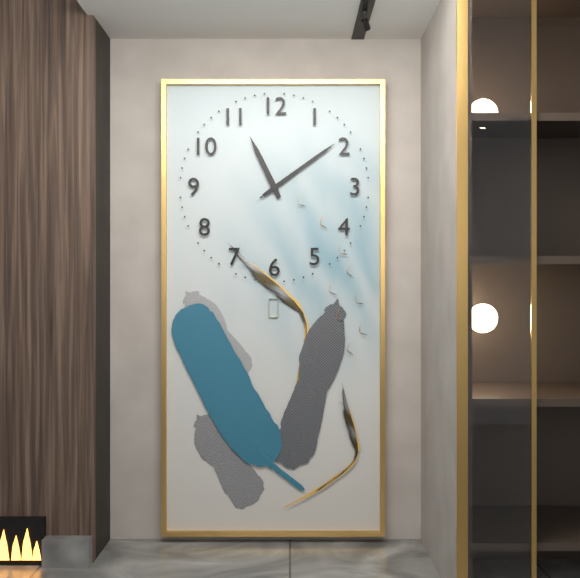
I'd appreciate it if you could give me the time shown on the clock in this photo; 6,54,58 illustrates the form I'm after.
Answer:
11,09,09
